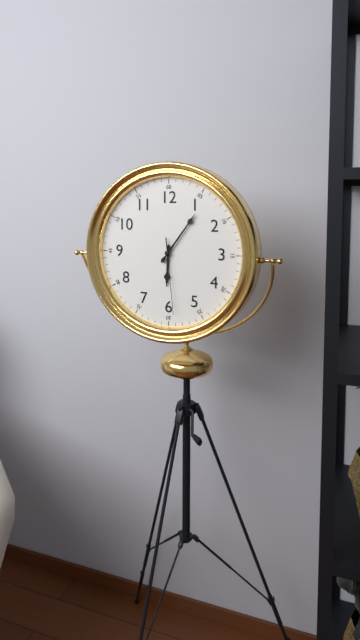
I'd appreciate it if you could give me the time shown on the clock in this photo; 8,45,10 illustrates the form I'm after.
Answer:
6,06,29
